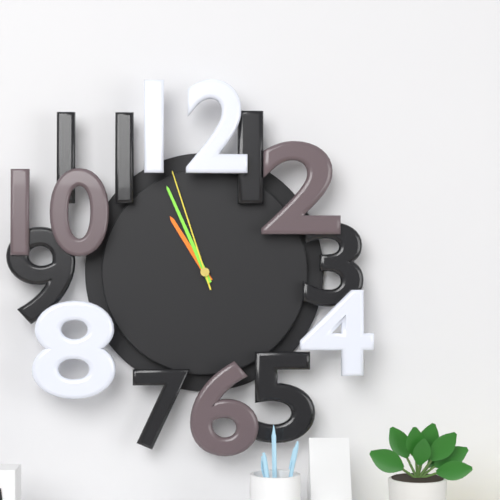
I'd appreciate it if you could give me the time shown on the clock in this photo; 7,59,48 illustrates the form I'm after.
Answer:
10,56,57
